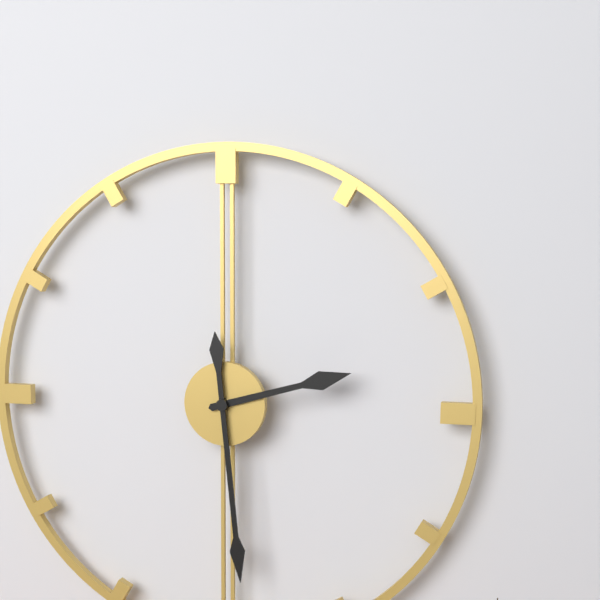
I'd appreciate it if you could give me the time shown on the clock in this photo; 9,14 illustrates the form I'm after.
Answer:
2,29
